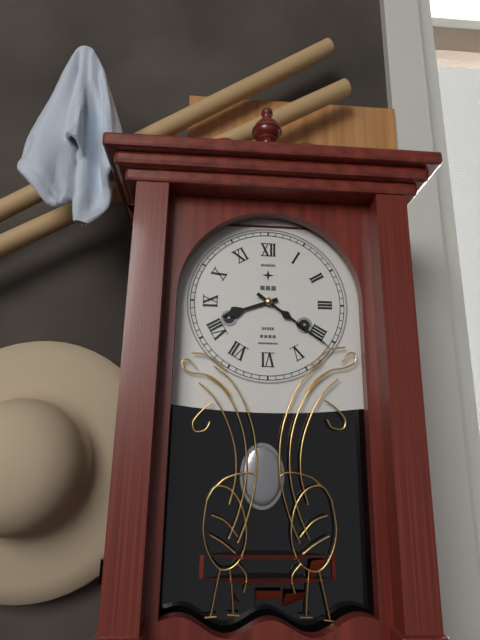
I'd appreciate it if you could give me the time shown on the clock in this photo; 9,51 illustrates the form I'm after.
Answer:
8,21
